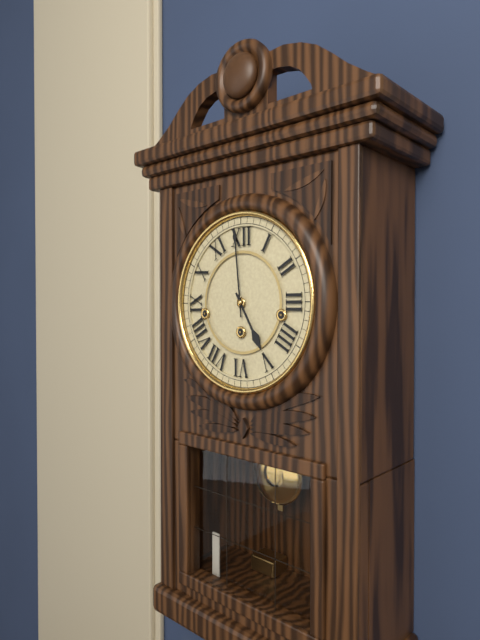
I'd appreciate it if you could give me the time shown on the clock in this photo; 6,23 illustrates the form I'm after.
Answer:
4,59
